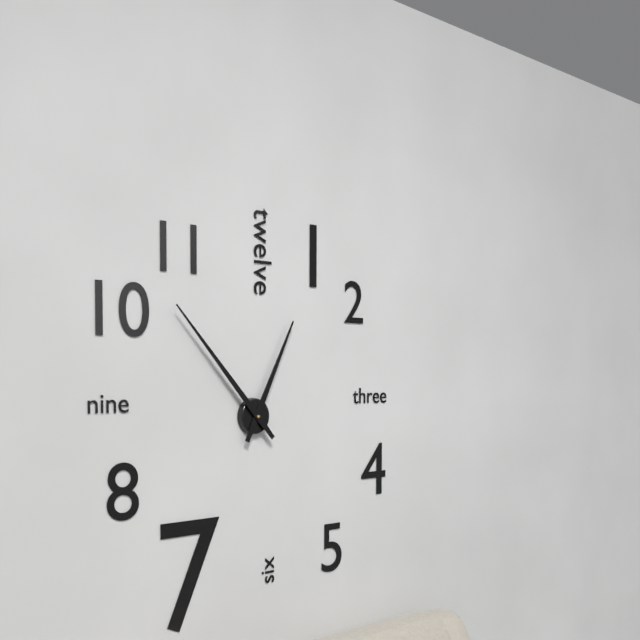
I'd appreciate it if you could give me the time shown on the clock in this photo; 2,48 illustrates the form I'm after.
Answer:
12,53
